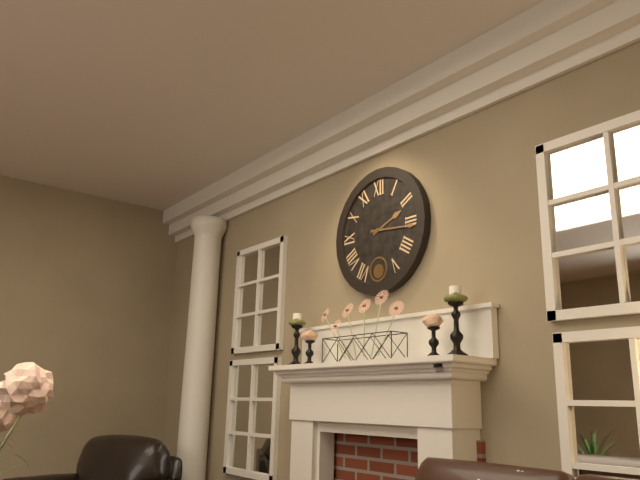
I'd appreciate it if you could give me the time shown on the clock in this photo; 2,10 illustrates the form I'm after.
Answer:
2,16
